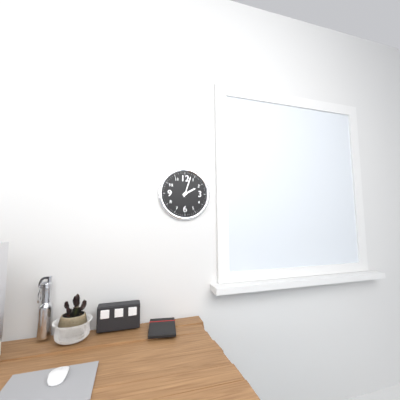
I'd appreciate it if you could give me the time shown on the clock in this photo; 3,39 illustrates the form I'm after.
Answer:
2,03
